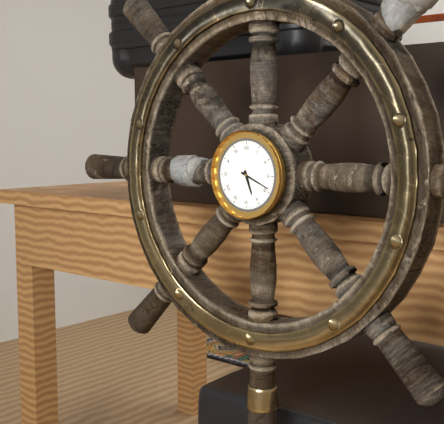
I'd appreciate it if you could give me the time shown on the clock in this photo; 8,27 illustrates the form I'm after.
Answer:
5,19
